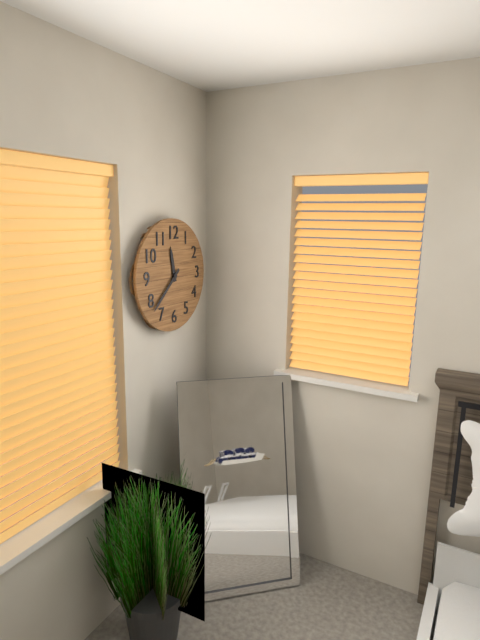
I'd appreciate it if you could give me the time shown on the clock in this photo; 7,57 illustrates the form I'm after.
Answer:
11,38
